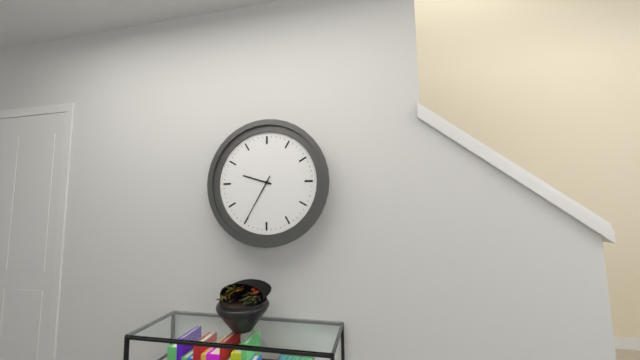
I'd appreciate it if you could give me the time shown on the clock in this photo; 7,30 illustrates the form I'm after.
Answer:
9,35
